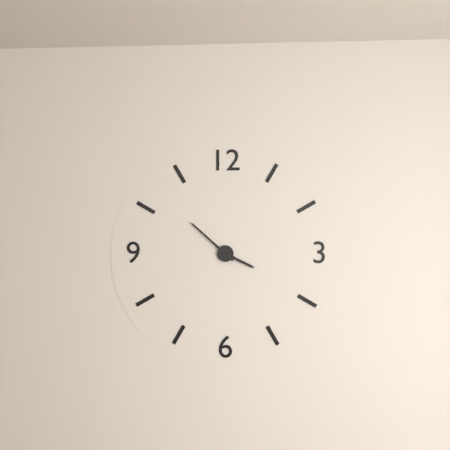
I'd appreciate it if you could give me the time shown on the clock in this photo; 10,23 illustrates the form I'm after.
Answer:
3,52
